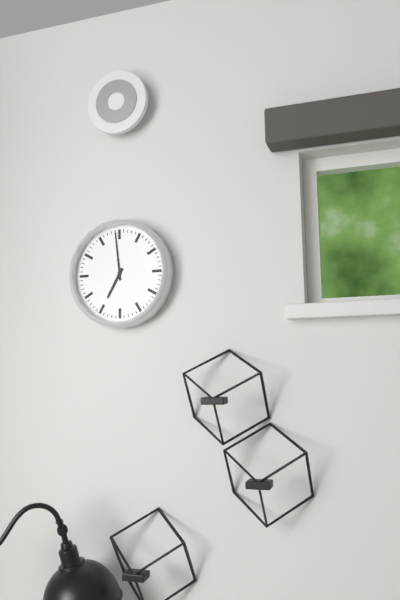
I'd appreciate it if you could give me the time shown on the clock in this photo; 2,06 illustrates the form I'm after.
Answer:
6,59
